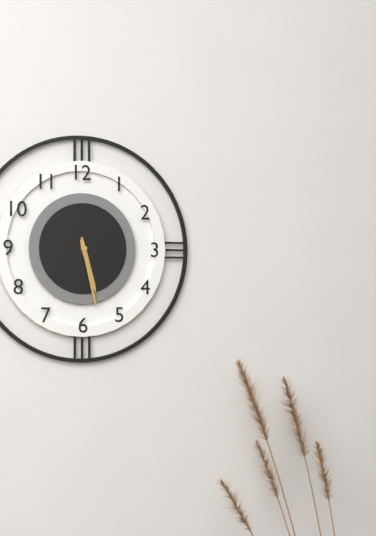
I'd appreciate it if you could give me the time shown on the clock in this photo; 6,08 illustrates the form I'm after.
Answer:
5,28
